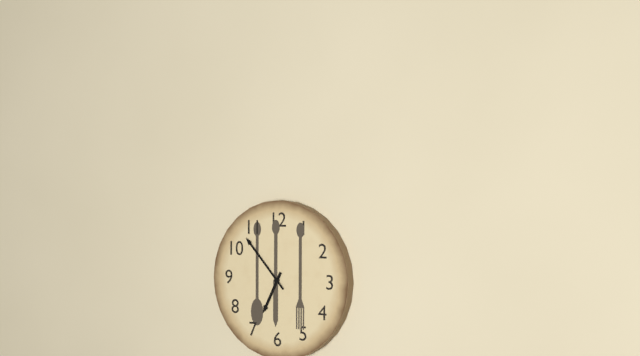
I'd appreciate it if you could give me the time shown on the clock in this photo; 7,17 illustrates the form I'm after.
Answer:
6,53
